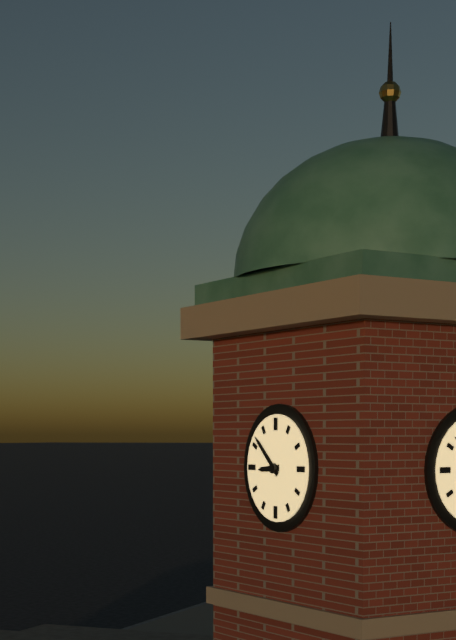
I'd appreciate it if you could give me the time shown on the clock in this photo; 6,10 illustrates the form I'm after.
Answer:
8,52
